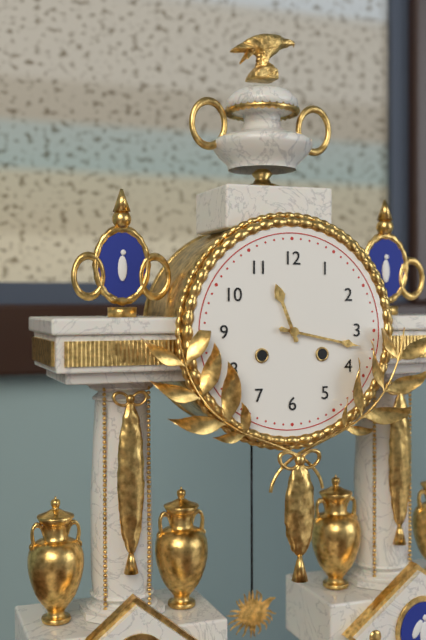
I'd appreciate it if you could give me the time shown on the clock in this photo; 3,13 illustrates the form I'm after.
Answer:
11,17
